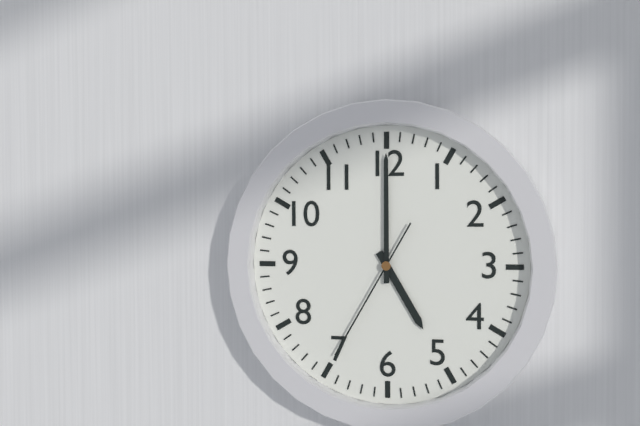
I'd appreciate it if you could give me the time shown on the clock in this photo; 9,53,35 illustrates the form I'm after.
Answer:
5,00,35
